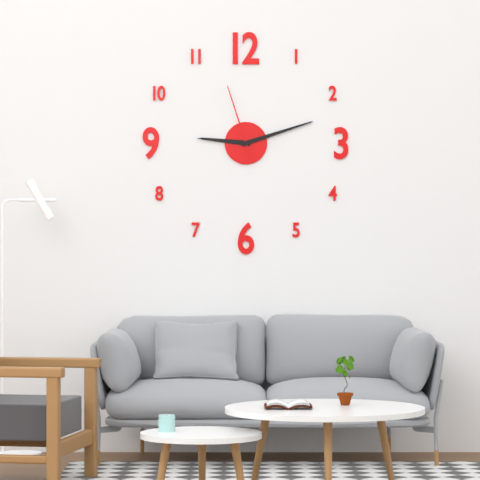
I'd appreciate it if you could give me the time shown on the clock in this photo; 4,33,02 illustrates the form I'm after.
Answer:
9,12,57
